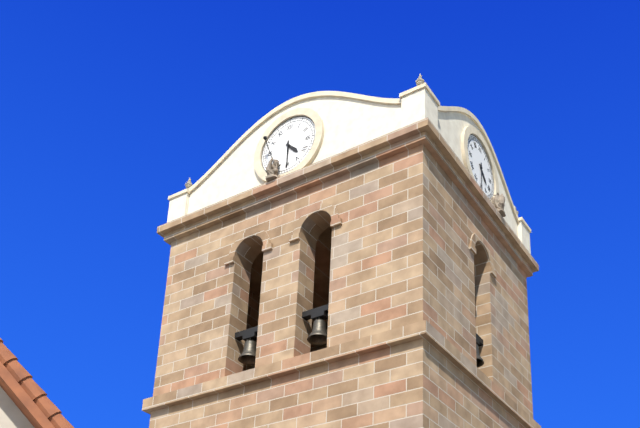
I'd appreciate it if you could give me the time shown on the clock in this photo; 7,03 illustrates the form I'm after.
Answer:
4,30
